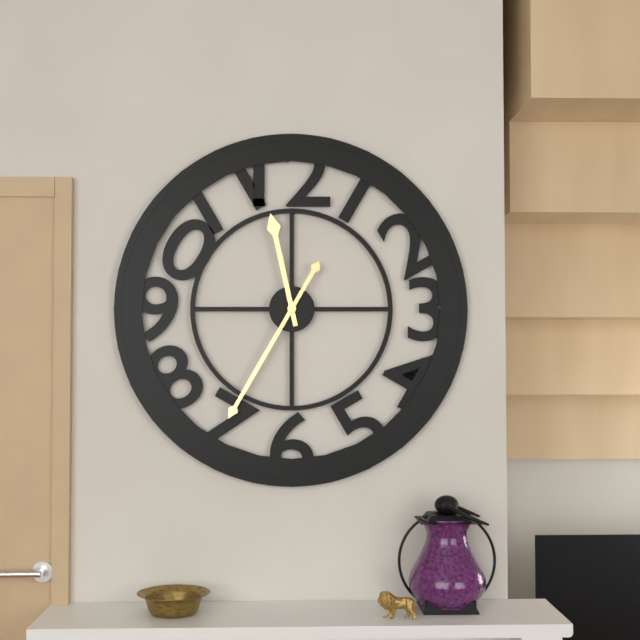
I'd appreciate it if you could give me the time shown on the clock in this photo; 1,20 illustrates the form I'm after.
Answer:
11,35
